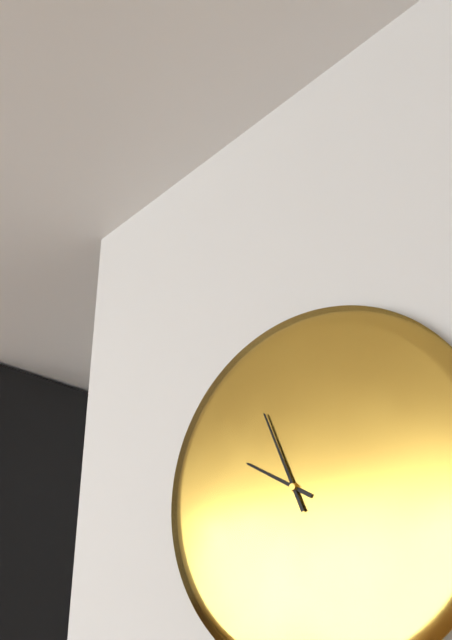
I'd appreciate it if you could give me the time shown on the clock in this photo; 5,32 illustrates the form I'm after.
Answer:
9,56
